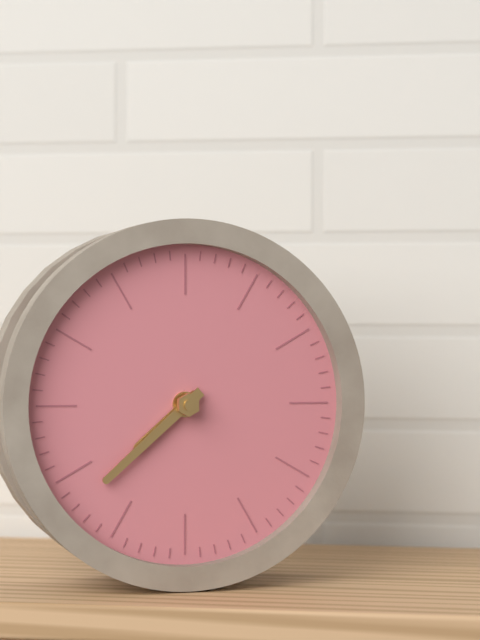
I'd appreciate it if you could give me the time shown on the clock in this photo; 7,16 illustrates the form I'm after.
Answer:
7,38
